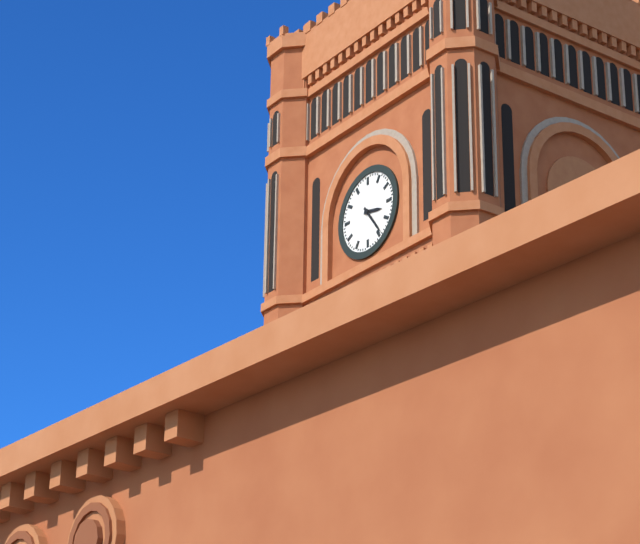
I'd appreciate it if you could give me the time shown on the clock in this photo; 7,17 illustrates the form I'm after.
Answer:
3,24
